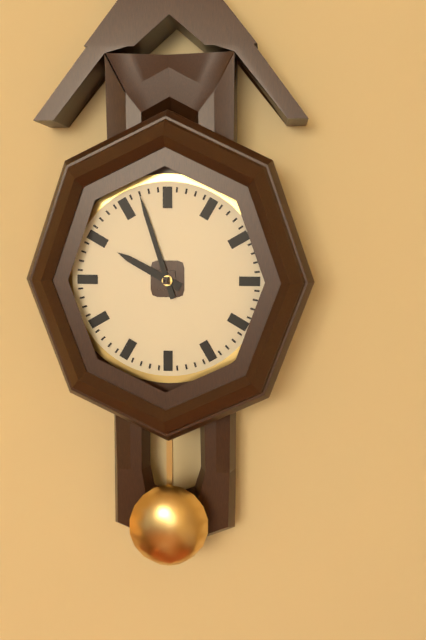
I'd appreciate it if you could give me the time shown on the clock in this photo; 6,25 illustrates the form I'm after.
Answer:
9,57
